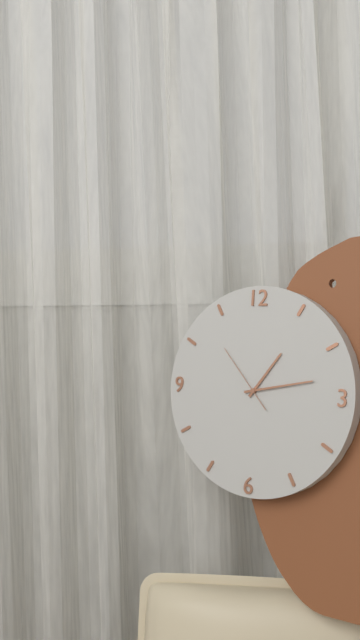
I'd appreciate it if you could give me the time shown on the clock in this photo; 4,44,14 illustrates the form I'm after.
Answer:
1,13,53
